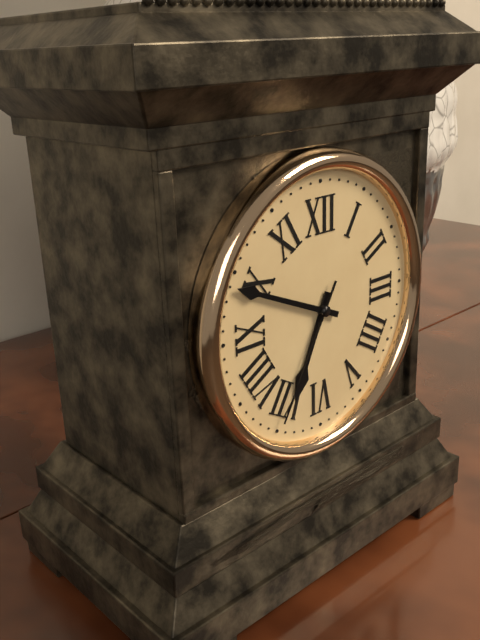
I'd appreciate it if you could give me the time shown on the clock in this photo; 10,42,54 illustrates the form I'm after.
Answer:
6,49,35
